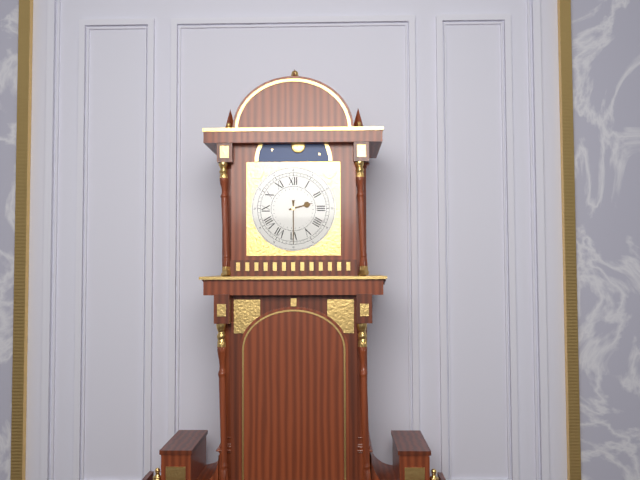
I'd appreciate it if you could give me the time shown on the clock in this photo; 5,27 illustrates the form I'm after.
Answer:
2,30
